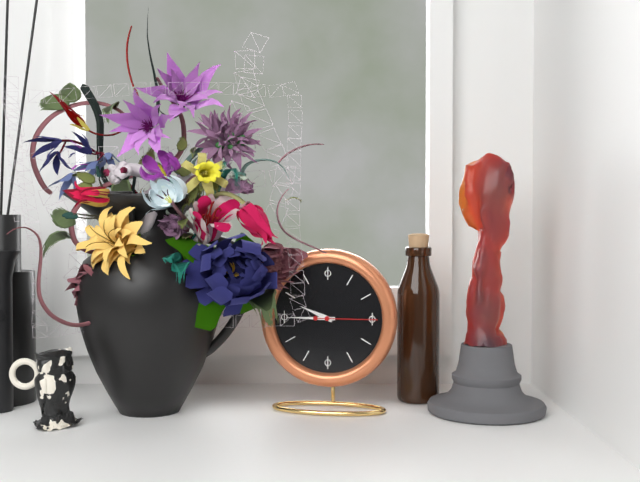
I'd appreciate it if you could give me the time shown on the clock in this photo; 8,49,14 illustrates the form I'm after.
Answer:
9,45,15
